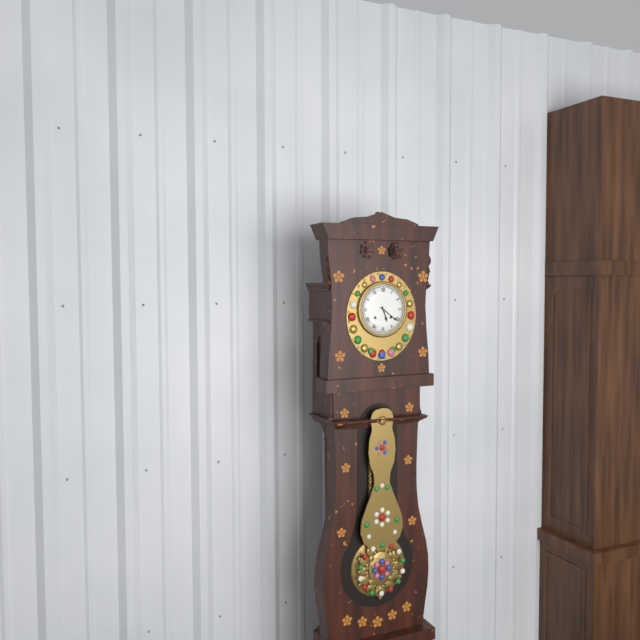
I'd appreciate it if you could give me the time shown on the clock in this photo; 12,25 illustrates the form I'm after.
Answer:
5,21
